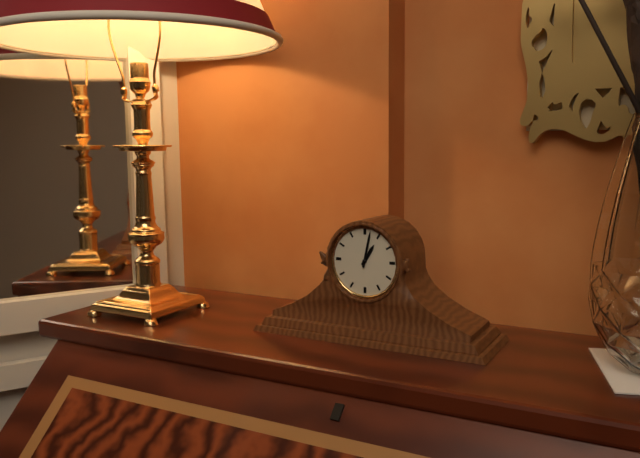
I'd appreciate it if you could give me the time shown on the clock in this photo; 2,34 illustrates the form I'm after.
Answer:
1,02
